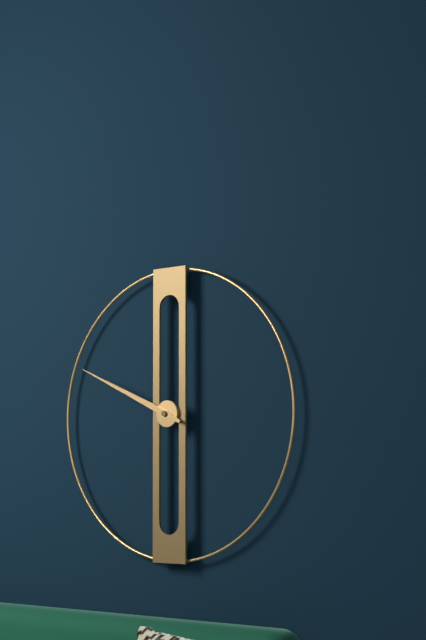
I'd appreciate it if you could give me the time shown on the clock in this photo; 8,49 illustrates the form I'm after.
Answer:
9,49
